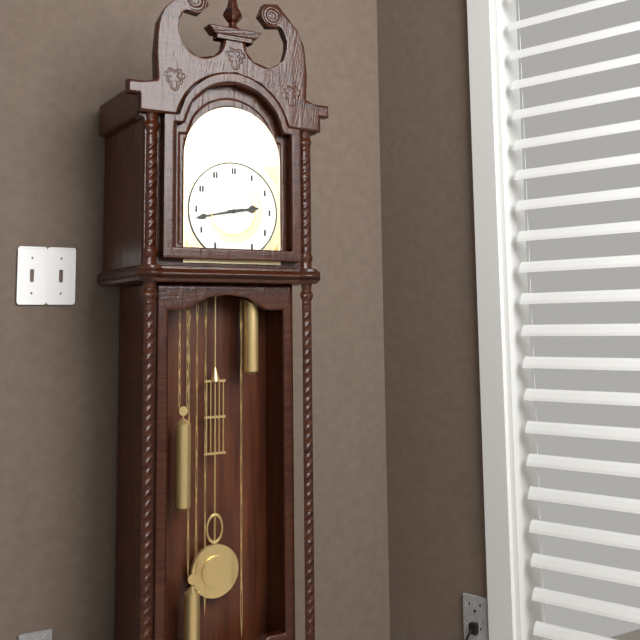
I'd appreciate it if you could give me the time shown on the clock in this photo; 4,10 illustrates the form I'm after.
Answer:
2,43
